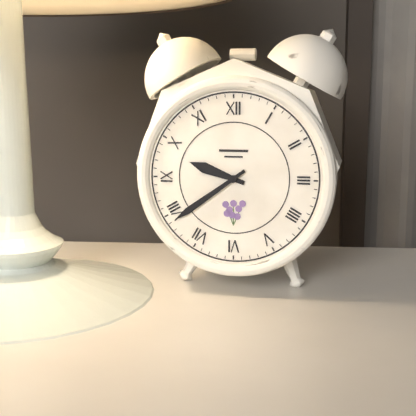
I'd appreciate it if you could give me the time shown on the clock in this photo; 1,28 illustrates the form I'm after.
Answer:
9,39
